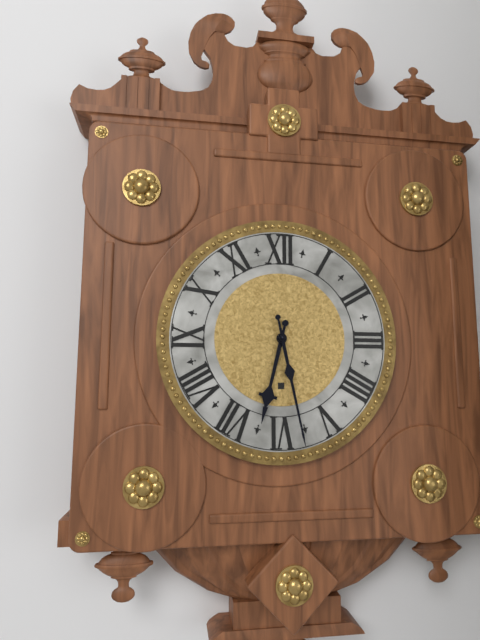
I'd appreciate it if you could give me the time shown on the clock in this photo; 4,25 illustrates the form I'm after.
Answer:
6,28
